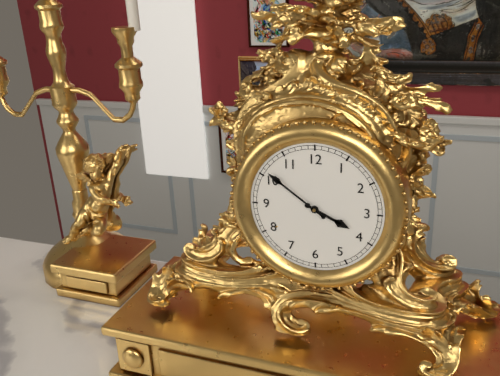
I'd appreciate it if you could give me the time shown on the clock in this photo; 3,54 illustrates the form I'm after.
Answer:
3,51
